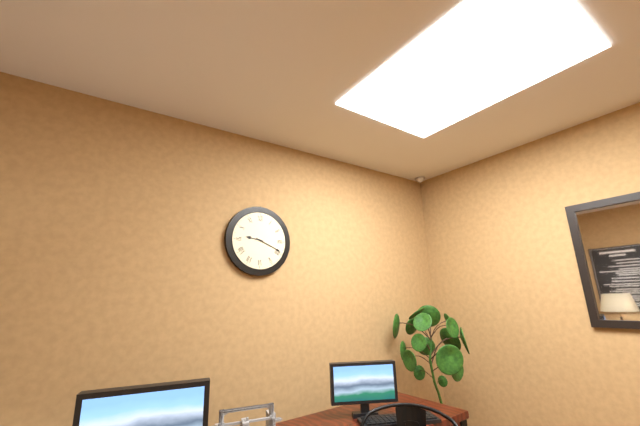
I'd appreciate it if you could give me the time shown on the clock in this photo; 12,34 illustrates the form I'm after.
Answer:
9,19
